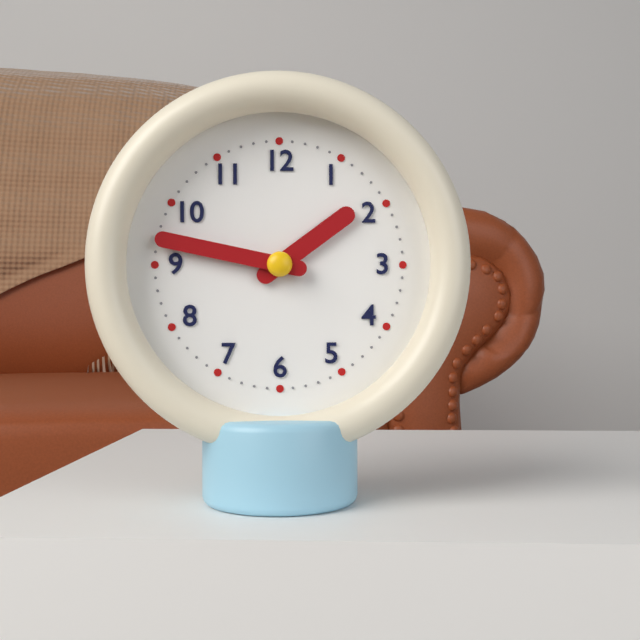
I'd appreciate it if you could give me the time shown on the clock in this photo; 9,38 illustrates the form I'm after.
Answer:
1,47
